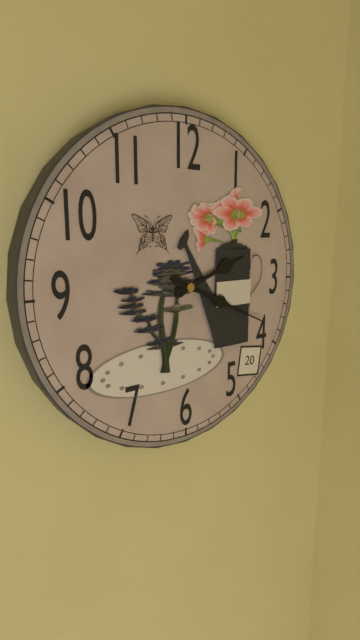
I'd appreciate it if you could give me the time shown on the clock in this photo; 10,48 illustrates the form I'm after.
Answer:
2,19
